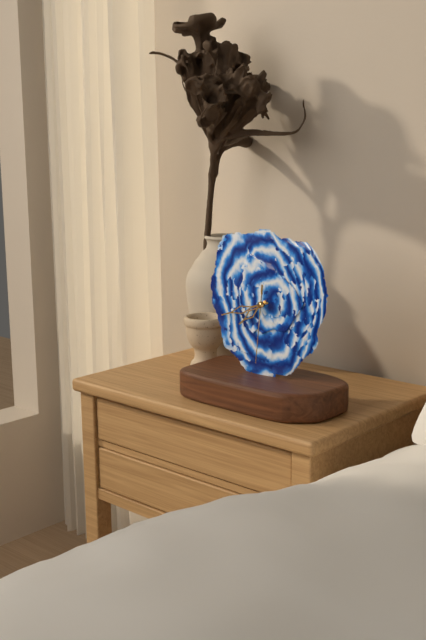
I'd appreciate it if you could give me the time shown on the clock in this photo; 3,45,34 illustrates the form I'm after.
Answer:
7,42,31
